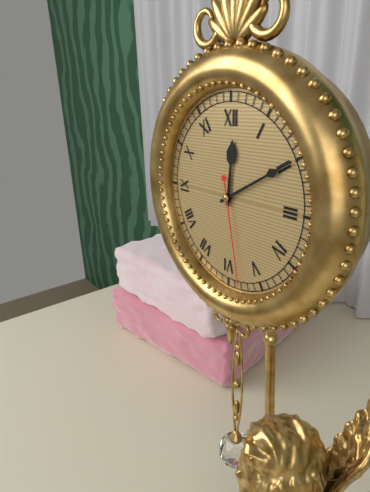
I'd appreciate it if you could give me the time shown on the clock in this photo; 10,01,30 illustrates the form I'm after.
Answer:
12,10,28
